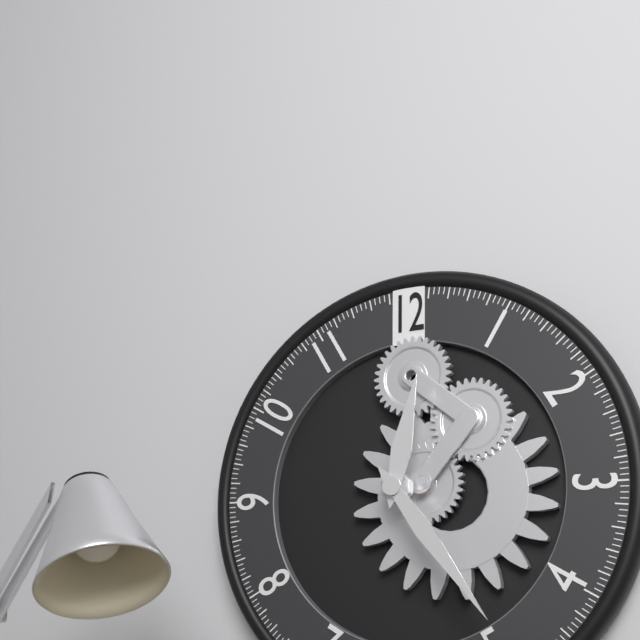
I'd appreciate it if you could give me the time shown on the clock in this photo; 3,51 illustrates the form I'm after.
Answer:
12,24
